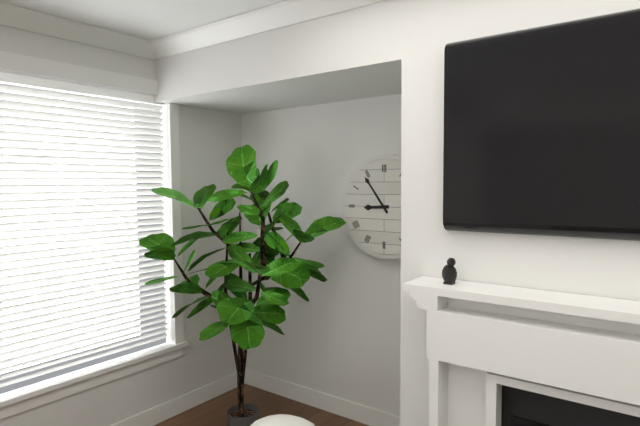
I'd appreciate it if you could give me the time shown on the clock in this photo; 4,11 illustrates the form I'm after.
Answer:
8,54
